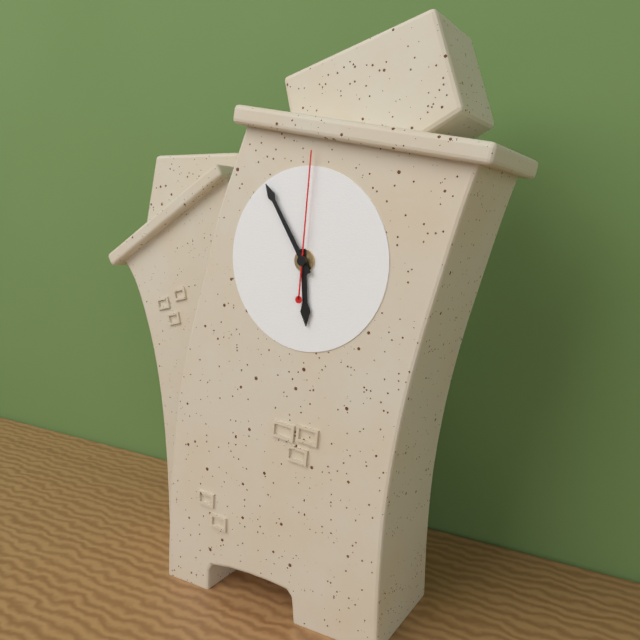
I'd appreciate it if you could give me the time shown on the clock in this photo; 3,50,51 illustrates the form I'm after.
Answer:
5,55,01
